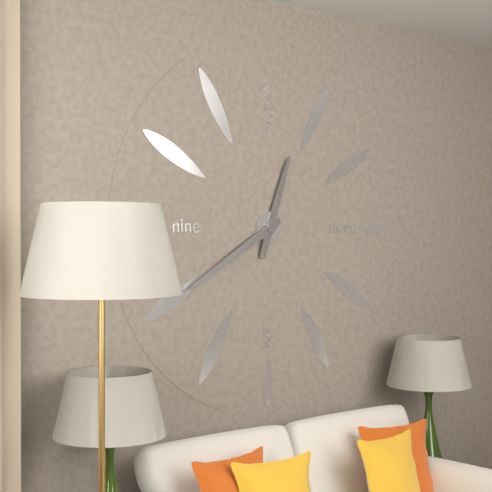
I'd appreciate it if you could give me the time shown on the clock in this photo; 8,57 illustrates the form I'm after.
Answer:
12,40
